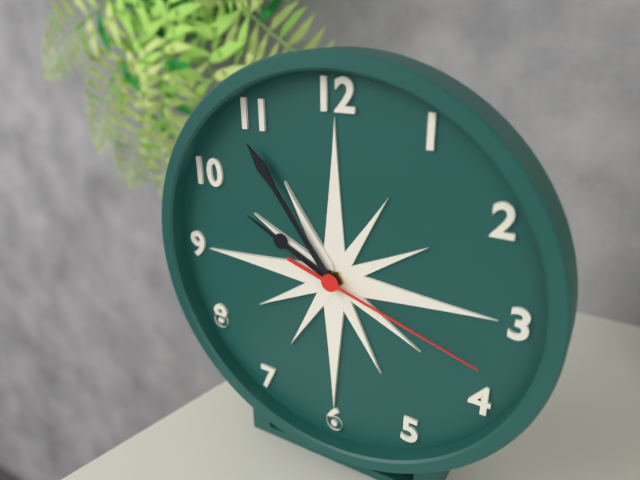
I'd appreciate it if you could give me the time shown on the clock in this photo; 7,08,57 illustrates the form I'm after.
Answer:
9,54,18
